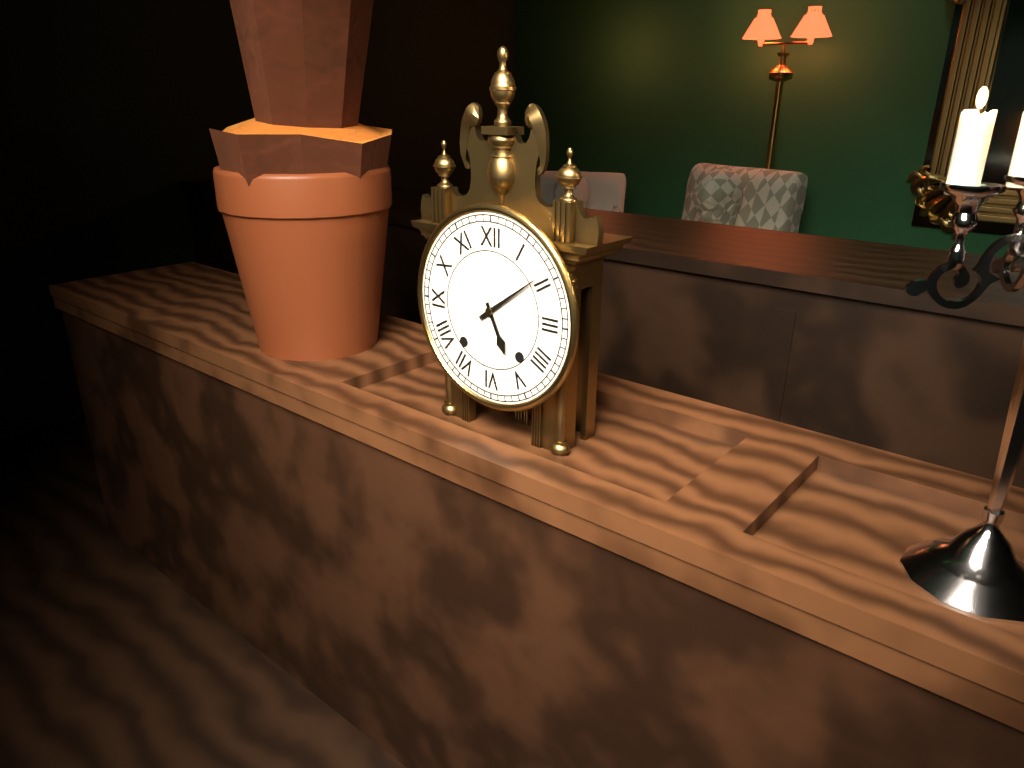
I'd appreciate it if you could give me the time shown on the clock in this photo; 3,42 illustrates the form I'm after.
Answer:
5,09
